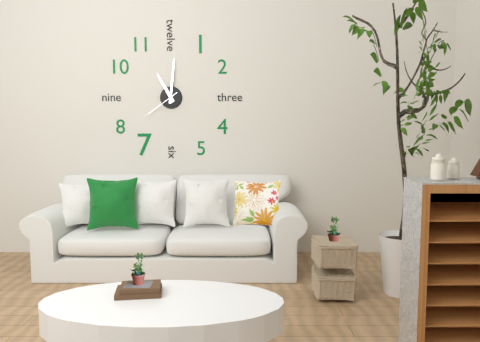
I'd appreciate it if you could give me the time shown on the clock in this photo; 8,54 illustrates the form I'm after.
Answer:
11,01
